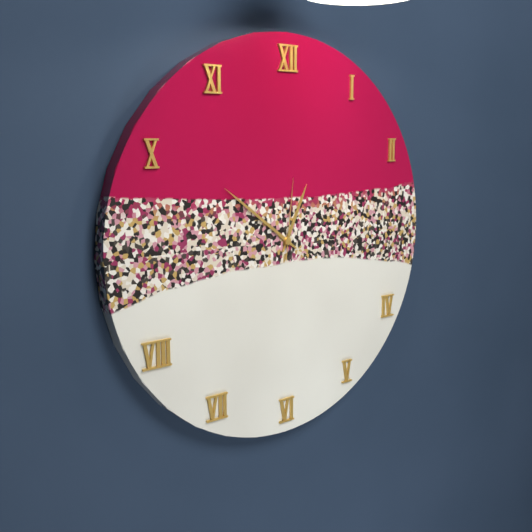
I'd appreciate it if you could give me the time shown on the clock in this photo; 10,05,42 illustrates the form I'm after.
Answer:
12,51,01
